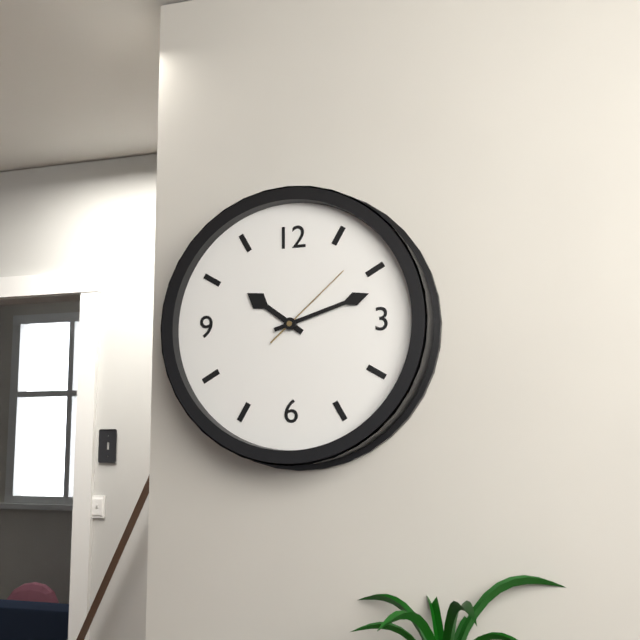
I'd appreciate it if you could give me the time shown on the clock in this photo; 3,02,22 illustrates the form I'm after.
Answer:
10,12,08
